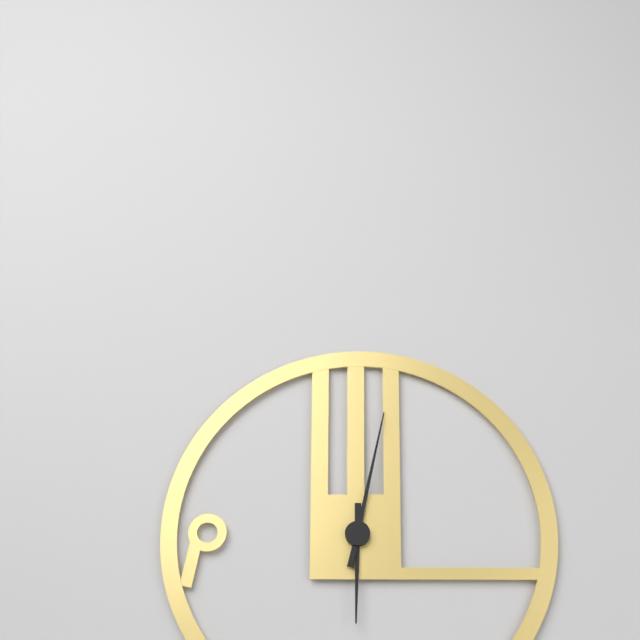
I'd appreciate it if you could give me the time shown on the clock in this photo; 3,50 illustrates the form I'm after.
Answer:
6,02
